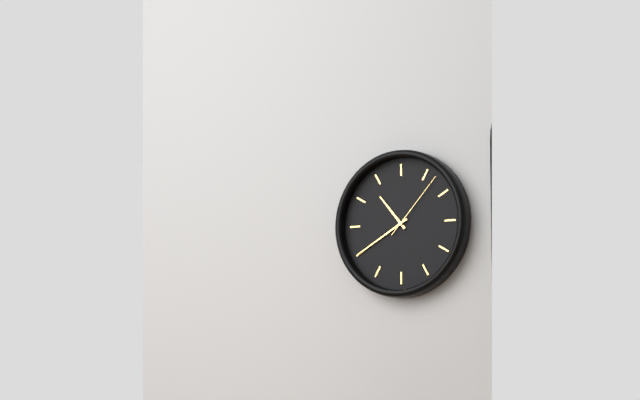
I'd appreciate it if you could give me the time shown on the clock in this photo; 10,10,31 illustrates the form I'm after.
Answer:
10,40,07
